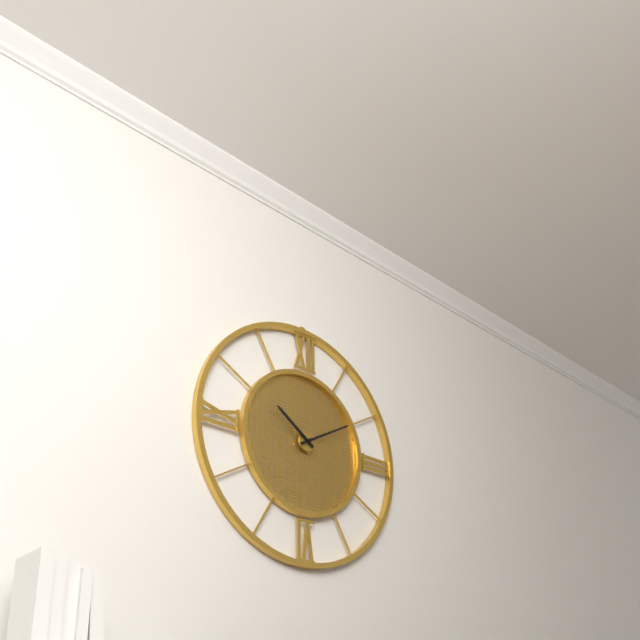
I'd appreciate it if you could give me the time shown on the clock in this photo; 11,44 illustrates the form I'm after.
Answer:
10,10
